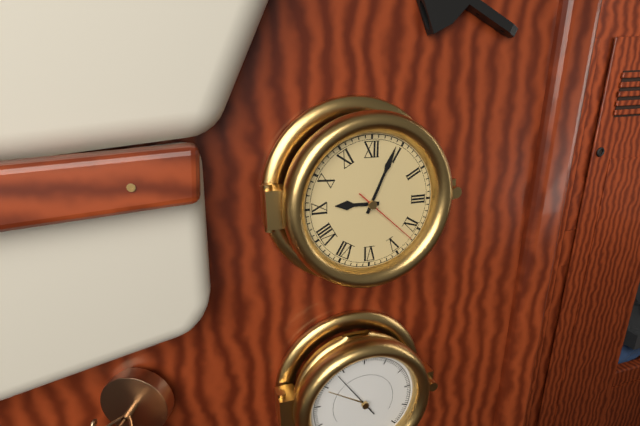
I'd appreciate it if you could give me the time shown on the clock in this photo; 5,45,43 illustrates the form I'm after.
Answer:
9,04,22
